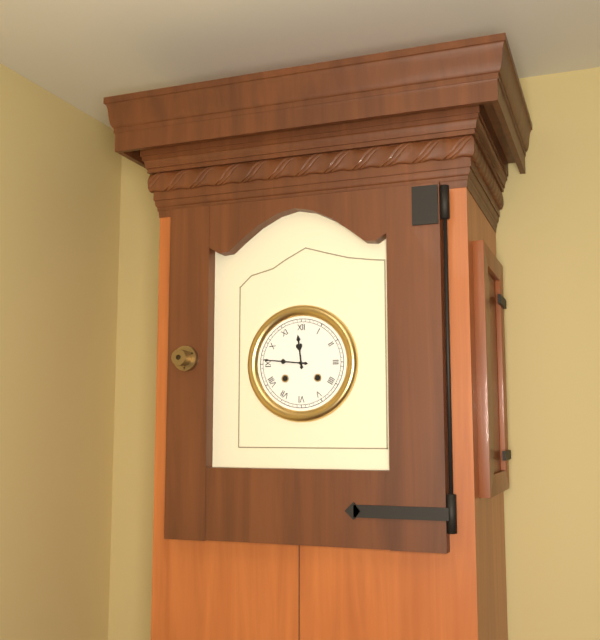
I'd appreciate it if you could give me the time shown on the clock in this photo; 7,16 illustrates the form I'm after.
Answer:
11,46
